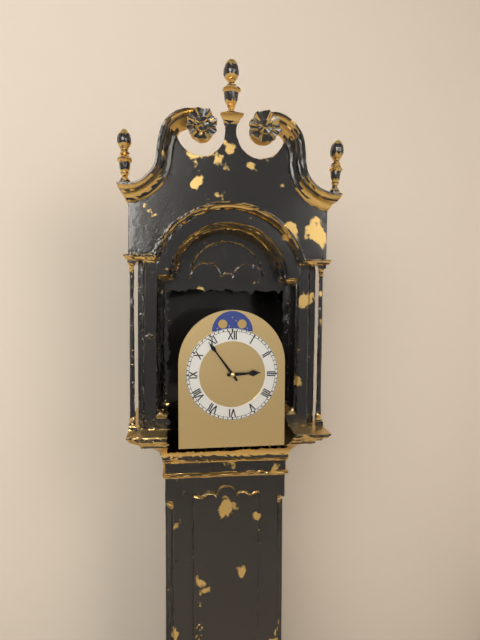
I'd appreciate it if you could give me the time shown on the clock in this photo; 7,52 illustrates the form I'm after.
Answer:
2,54
